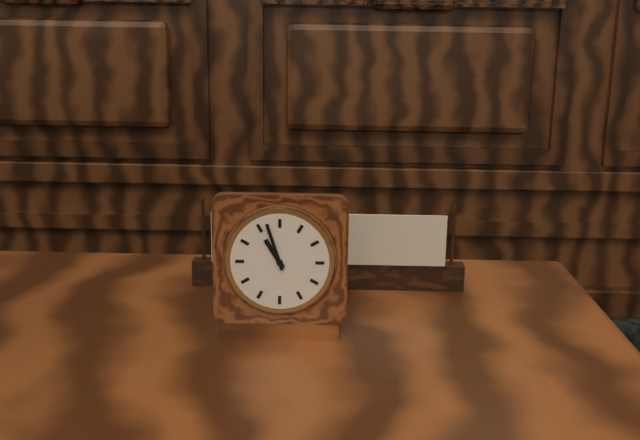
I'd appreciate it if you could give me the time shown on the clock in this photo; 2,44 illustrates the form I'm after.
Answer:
10,57
